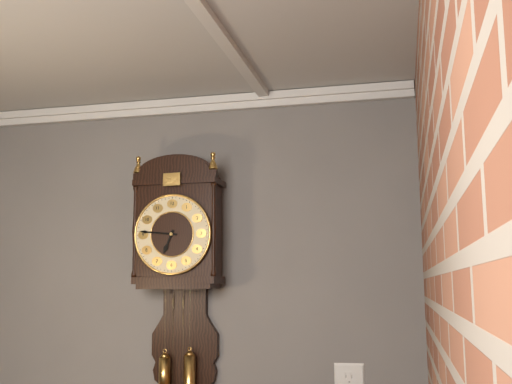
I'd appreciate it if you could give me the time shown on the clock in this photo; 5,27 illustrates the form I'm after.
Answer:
6,46
